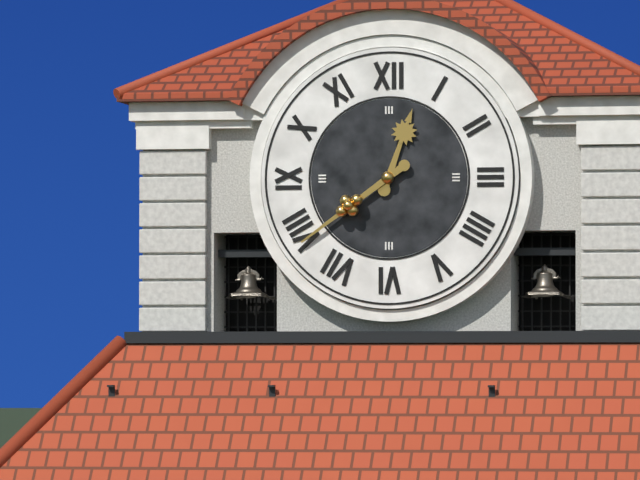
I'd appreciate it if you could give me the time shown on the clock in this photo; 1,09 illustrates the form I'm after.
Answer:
12,39
